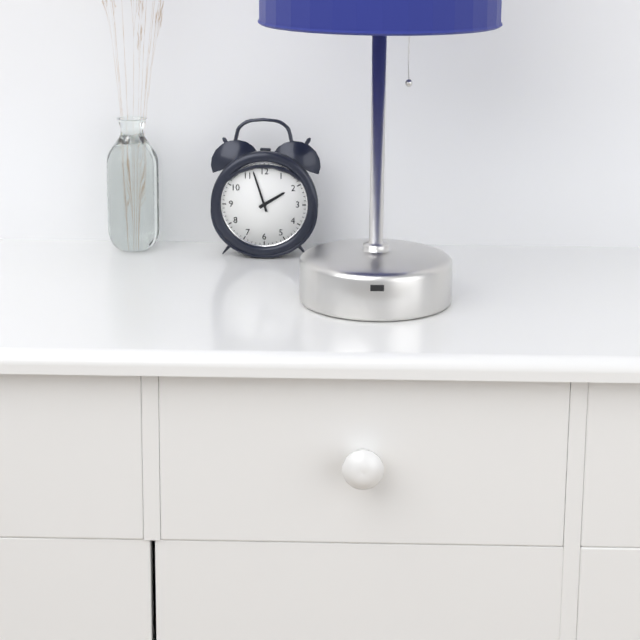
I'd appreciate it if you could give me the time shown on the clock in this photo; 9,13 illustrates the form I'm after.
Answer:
1,57
